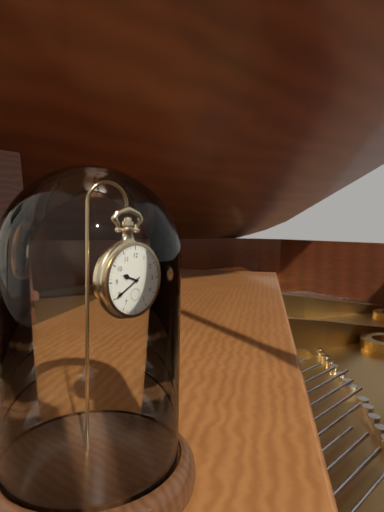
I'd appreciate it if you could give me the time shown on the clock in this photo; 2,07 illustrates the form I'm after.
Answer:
9,40
